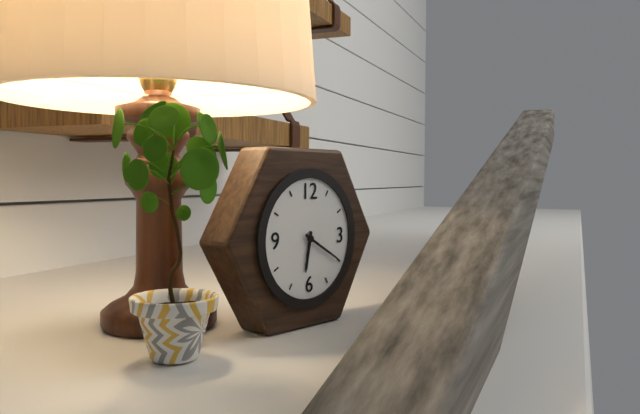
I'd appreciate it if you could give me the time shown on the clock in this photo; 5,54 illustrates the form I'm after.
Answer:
6,20
